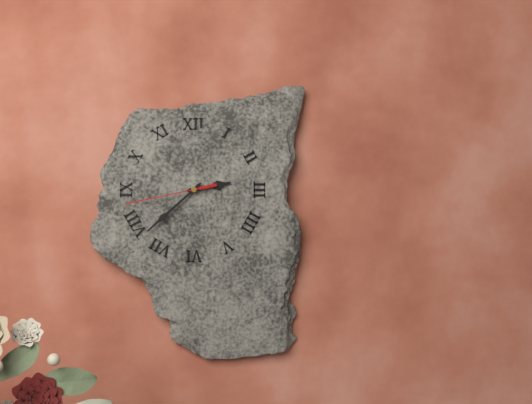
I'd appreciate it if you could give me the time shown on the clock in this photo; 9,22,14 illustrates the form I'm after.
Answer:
2,38,43
